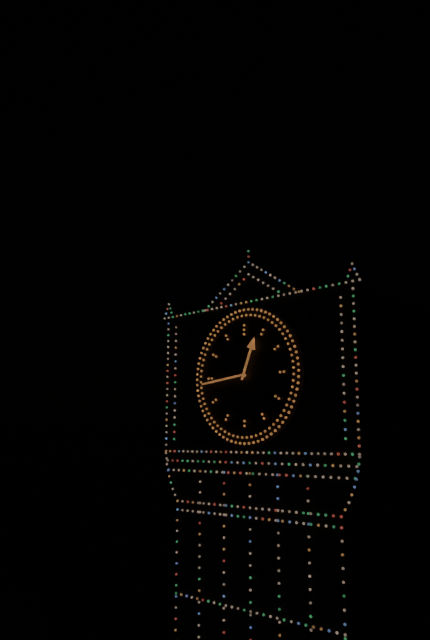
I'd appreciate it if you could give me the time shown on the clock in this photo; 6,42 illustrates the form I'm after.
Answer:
12,44
